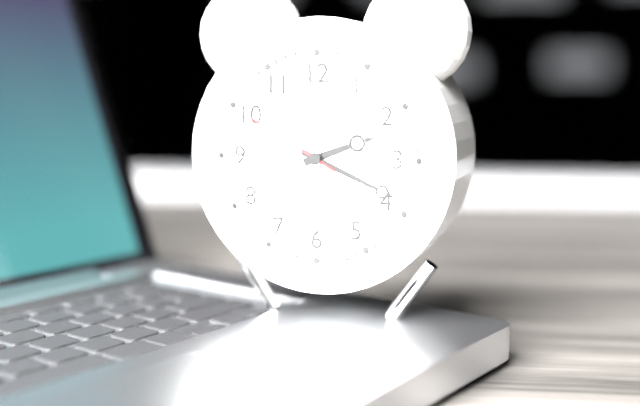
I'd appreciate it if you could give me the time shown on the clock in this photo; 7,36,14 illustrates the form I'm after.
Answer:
2,19,50
